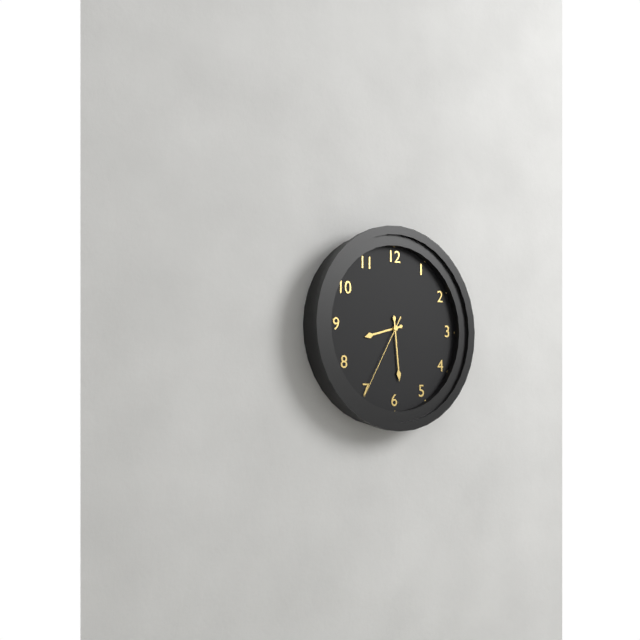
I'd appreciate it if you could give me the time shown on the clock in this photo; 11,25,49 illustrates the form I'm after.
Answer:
8,29,35
